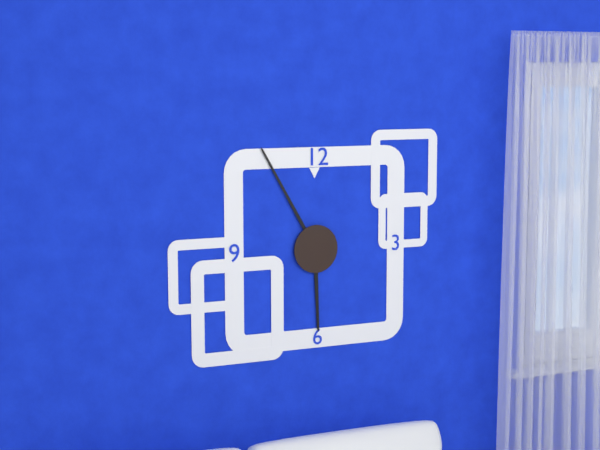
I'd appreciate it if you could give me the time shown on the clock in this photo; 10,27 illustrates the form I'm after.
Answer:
5,55
